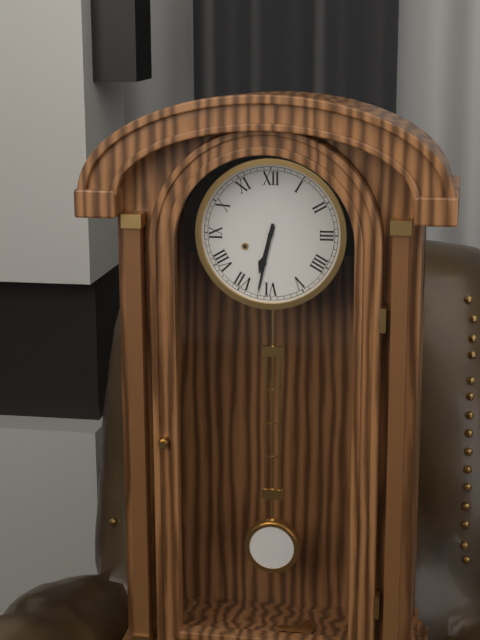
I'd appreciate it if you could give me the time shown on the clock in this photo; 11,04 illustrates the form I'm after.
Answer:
6,32
